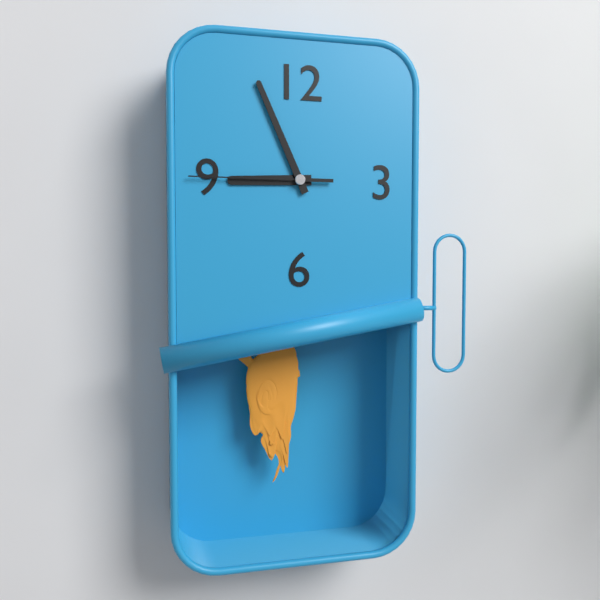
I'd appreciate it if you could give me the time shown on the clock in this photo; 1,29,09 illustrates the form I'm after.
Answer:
8,56,45
